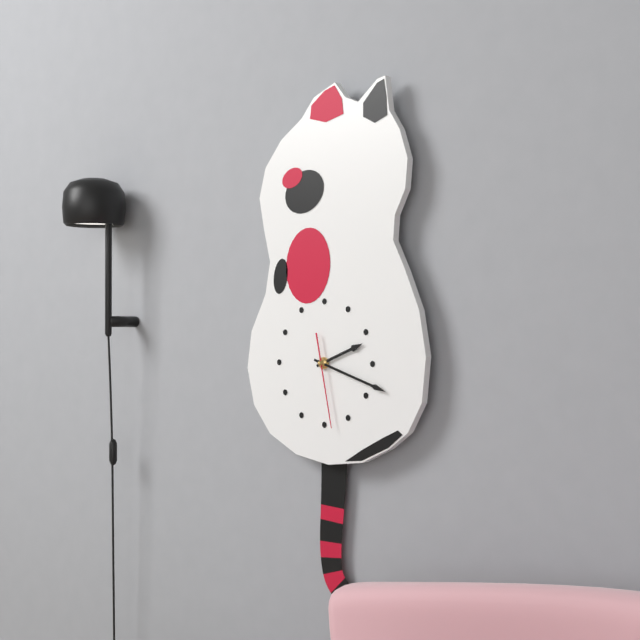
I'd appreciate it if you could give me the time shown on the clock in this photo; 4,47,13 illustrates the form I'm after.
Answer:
2,18,28
